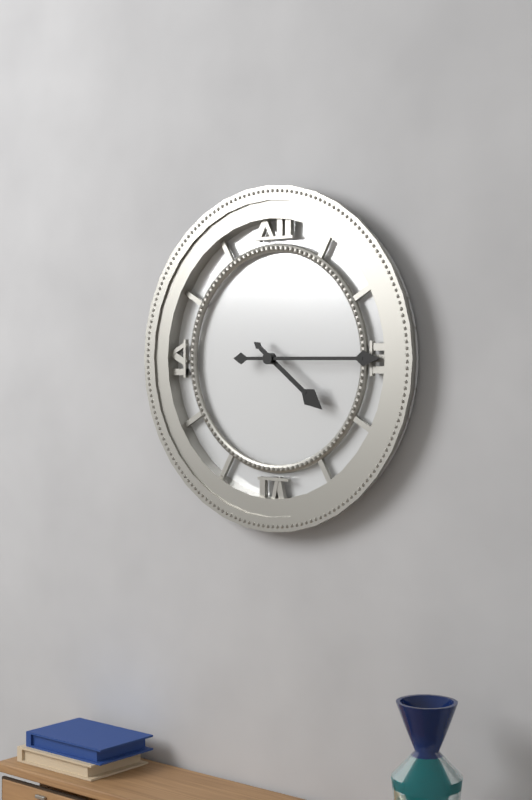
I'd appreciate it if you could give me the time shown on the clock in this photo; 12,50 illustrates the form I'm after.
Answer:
4,15
